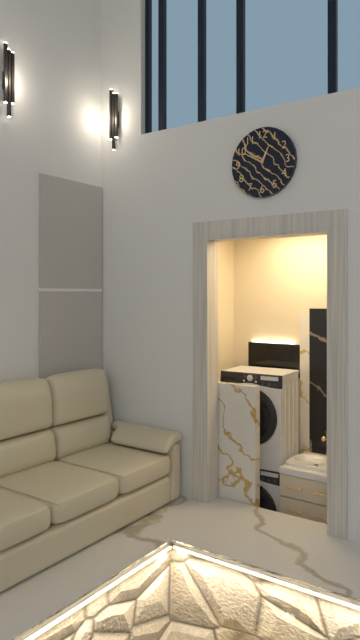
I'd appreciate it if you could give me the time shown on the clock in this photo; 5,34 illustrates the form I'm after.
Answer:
12,50
